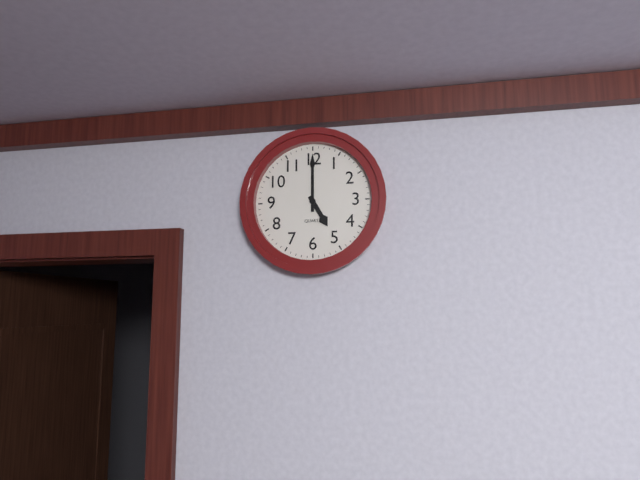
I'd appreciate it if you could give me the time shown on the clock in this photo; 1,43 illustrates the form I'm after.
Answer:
5,00
